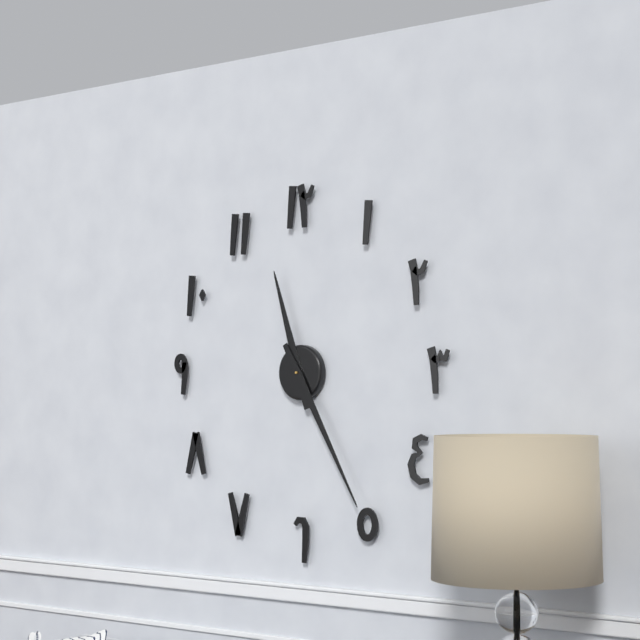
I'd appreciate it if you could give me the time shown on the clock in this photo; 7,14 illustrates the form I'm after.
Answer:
11,25
